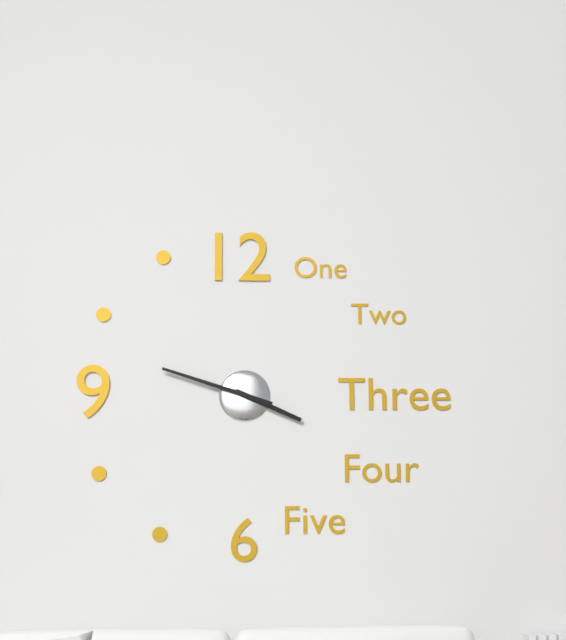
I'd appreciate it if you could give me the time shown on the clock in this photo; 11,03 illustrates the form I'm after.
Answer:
3,48
